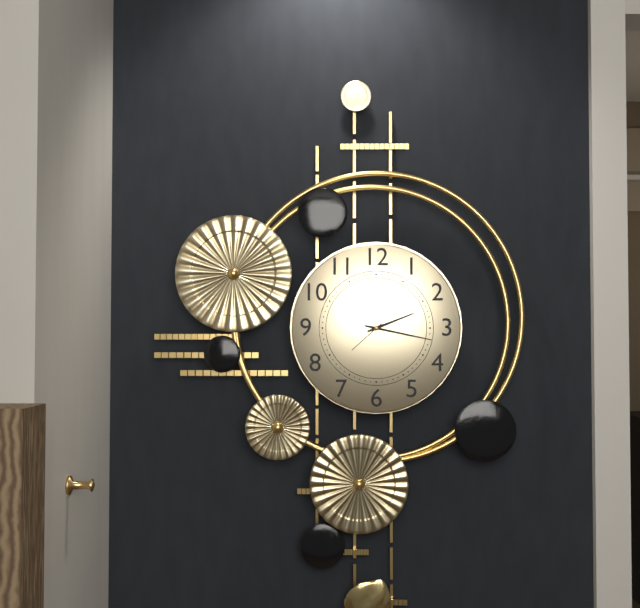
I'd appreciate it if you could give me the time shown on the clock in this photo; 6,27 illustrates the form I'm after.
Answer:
2,17
